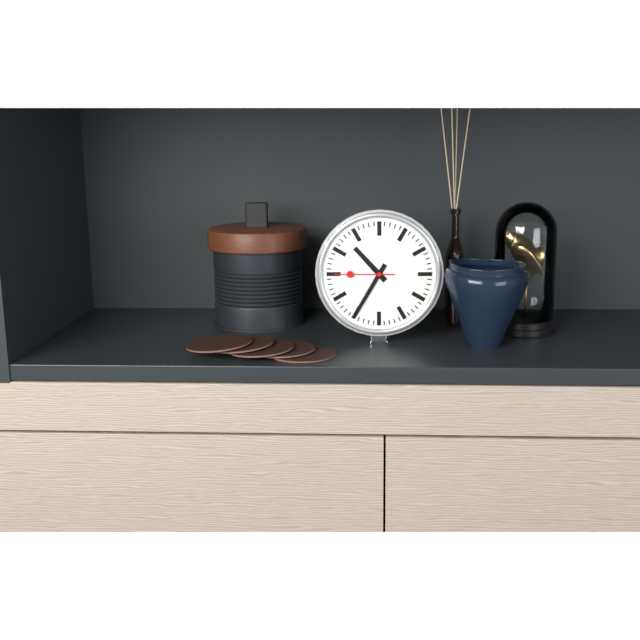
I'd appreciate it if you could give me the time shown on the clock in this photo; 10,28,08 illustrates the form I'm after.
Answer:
10,35,45
